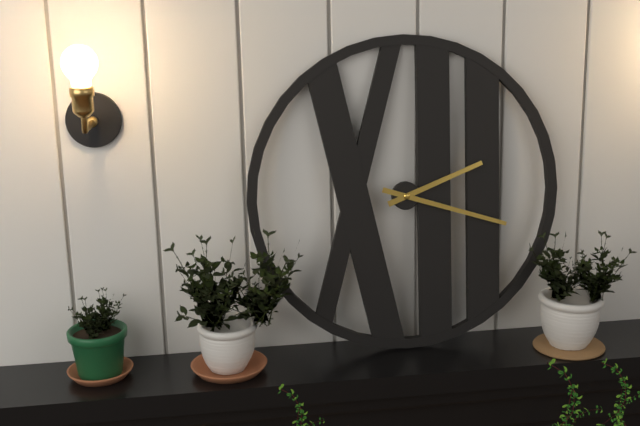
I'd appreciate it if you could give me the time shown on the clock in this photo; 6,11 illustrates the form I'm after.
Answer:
2,18
